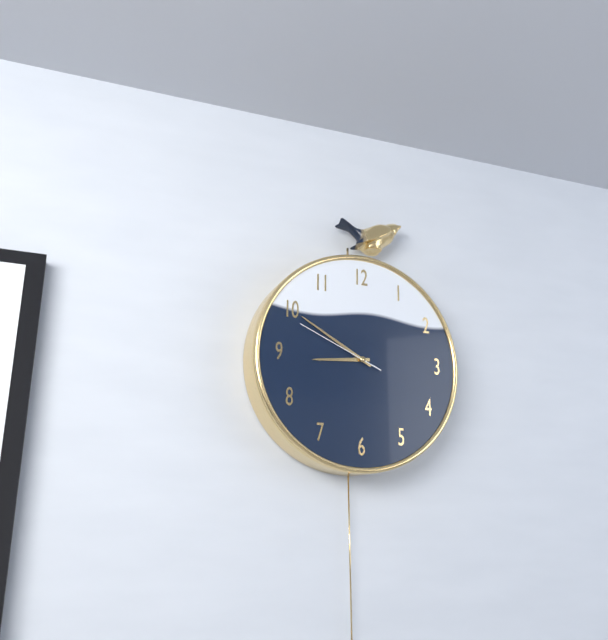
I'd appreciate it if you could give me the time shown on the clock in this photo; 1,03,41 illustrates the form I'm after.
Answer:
8,50,49
